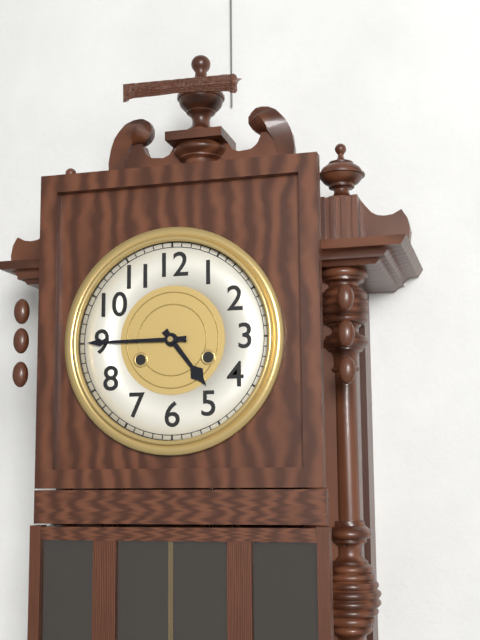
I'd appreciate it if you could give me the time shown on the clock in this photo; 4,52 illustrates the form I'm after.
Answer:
4,45
